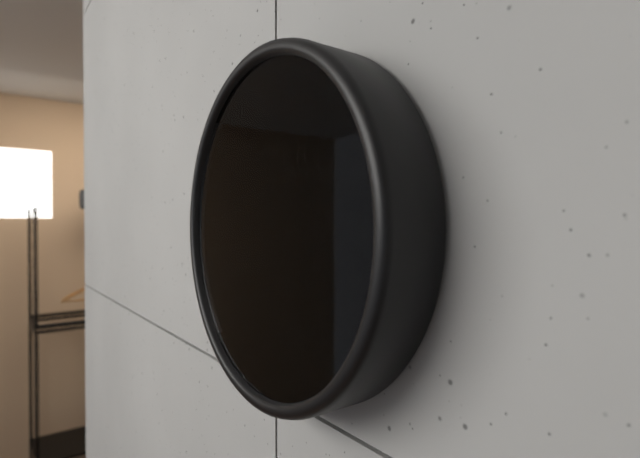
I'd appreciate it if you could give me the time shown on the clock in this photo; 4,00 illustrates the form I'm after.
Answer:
11,36
